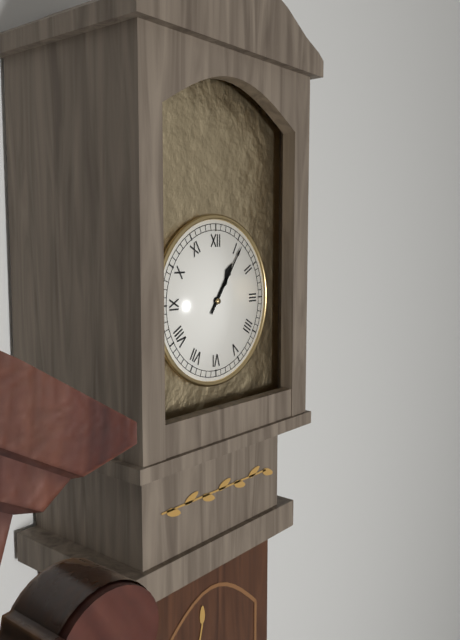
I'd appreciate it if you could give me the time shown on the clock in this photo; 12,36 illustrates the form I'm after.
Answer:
1,06
